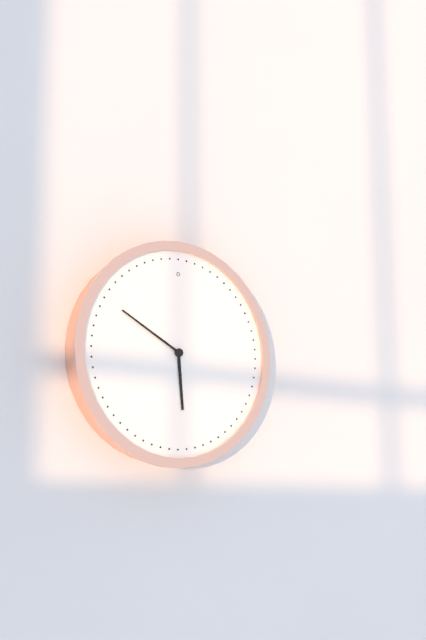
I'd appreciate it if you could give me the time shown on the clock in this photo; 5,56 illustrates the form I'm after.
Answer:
5,50
